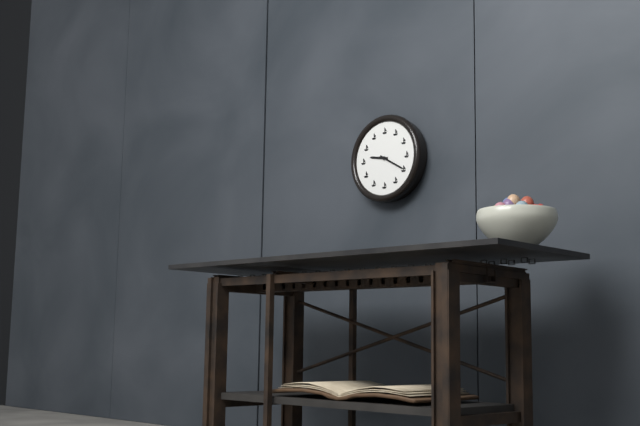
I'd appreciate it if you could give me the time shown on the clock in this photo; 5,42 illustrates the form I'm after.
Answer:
9,20
